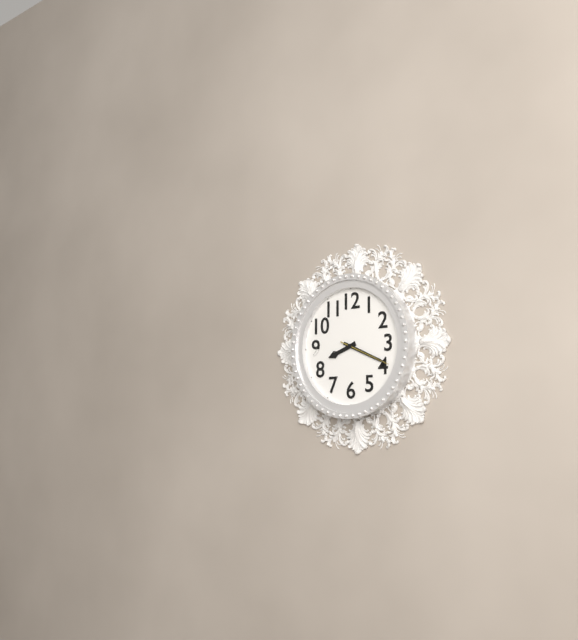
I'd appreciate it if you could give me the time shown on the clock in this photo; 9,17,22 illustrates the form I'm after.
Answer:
8,19,19
